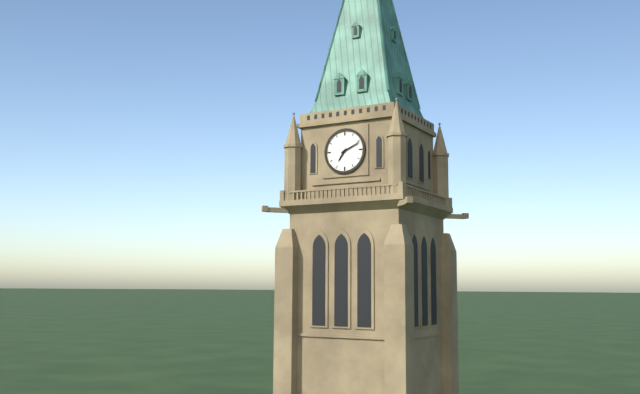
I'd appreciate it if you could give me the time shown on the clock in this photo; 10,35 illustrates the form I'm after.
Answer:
7,11
